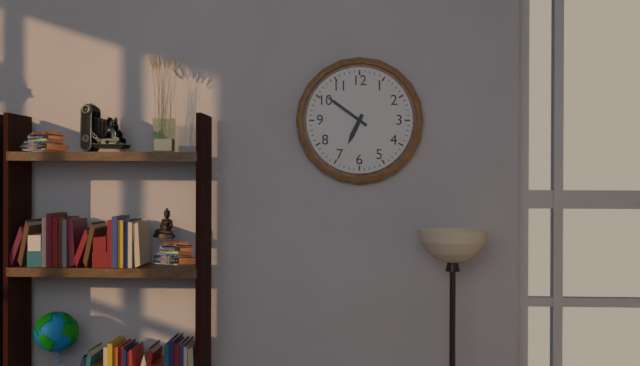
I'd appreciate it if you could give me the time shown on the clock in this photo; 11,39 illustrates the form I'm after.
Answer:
6,51
